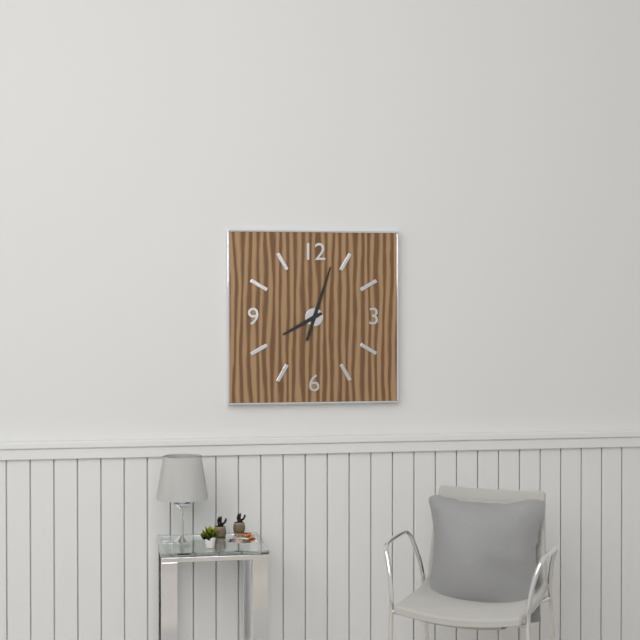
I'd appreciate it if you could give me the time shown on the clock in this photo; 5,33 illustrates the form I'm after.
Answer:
8,03
